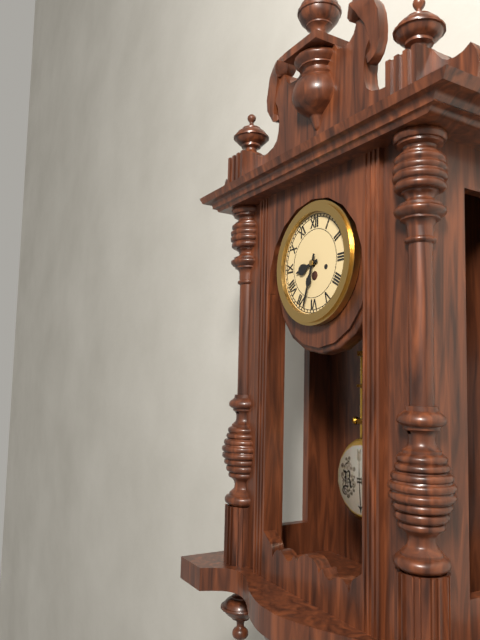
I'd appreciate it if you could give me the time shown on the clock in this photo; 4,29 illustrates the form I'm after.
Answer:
8,33
